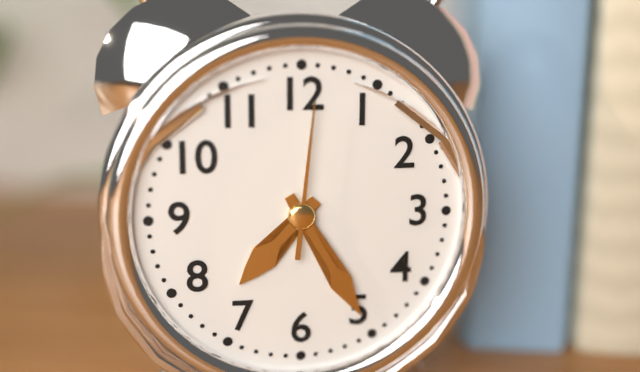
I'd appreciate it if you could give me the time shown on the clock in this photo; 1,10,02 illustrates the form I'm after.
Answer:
7,25,01
